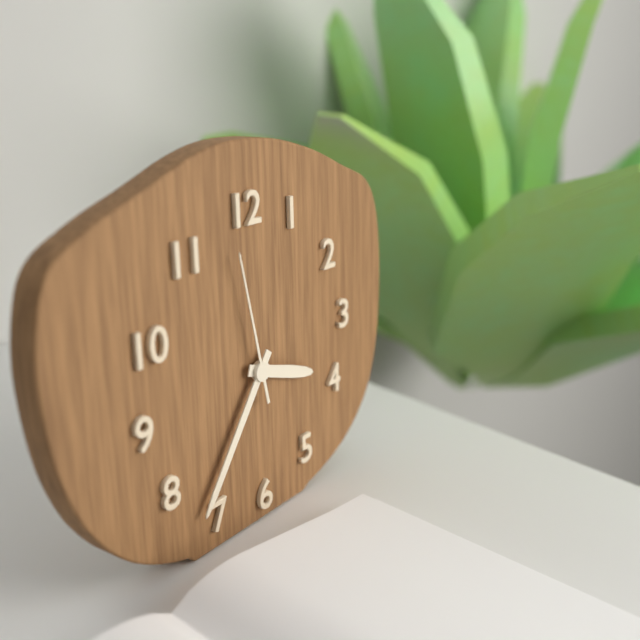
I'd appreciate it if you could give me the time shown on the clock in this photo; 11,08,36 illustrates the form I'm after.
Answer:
3,36,58
